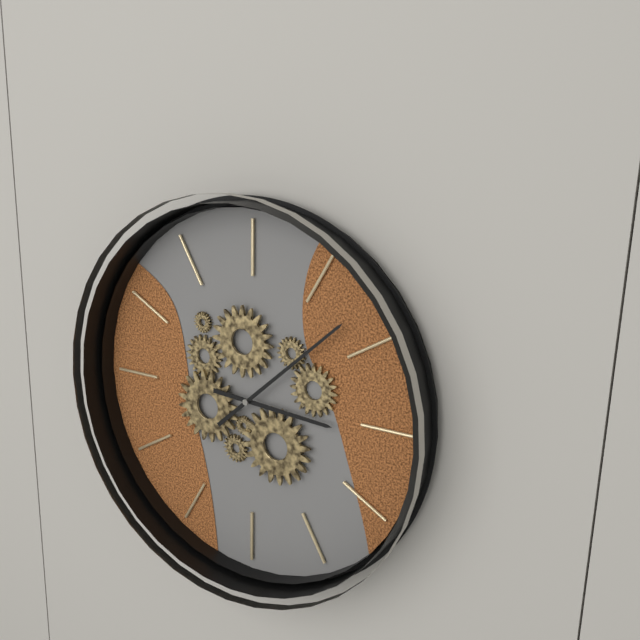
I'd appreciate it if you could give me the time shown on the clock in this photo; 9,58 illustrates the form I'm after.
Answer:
3,08
